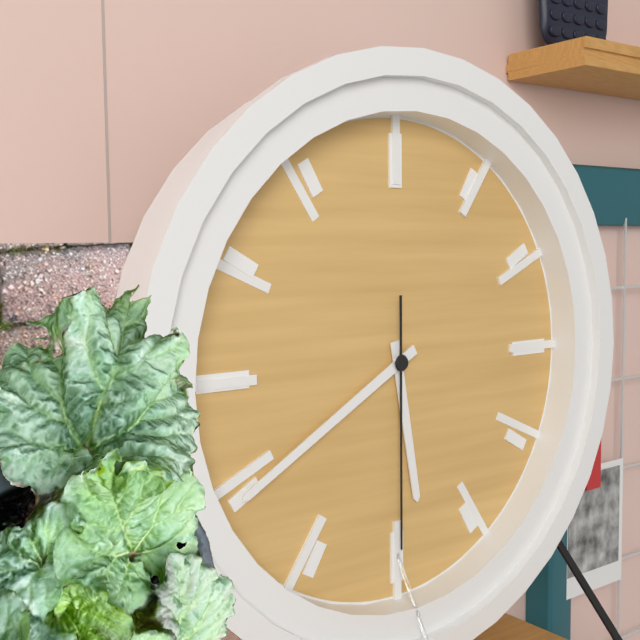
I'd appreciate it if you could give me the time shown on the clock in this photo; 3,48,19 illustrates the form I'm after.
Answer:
5,40,30
